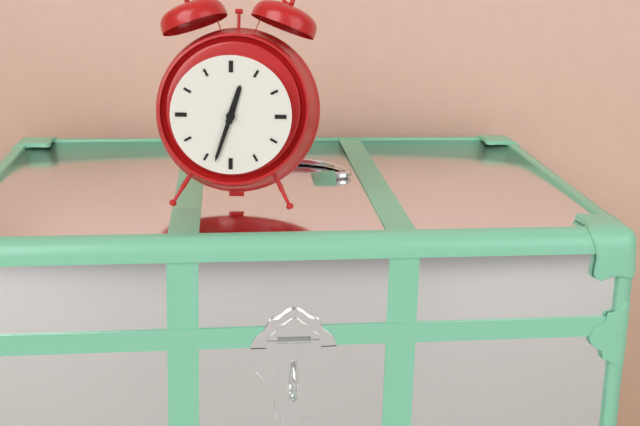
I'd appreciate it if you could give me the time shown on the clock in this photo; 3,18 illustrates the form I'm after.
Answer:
12,33
